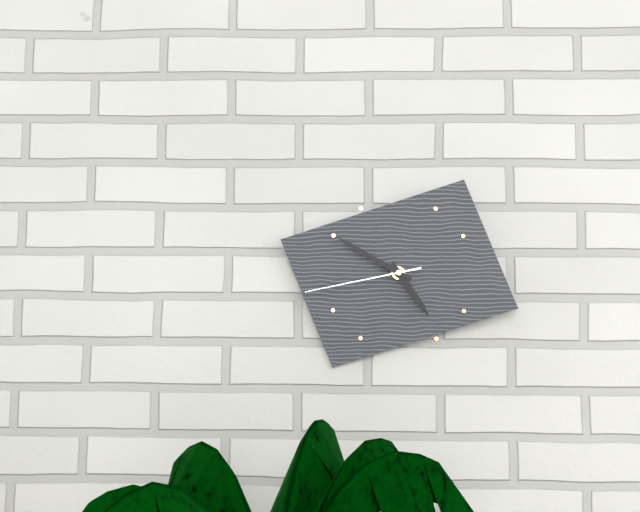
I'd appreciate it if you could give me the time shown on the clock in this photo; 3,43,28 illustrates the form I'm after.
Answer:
4,50,43
